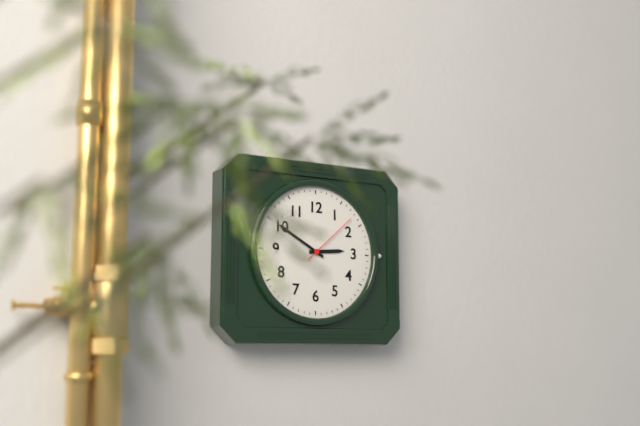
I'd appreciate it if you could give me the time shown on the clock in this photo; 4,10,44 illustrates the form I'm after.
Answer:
2,50,08
